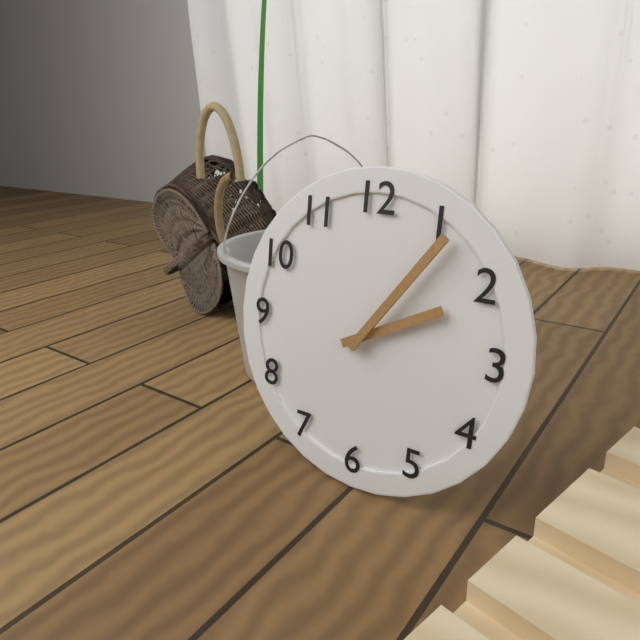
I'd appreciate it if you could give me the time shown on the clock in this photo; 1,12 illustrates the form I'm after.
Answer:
2,06
